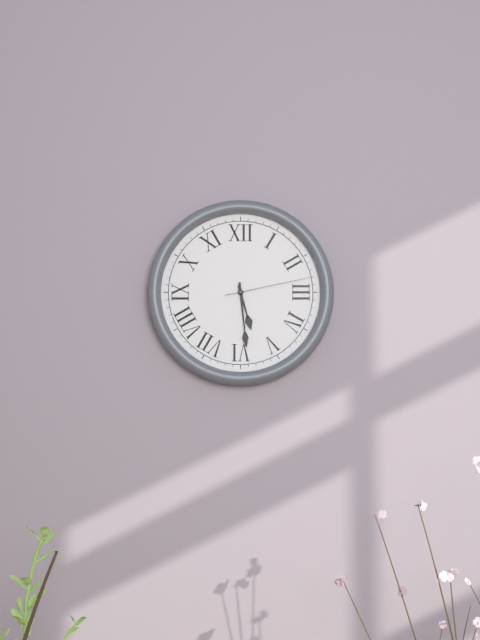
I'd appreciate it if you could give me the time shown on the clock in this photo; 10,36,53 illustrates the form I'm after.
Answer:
5,29,13
